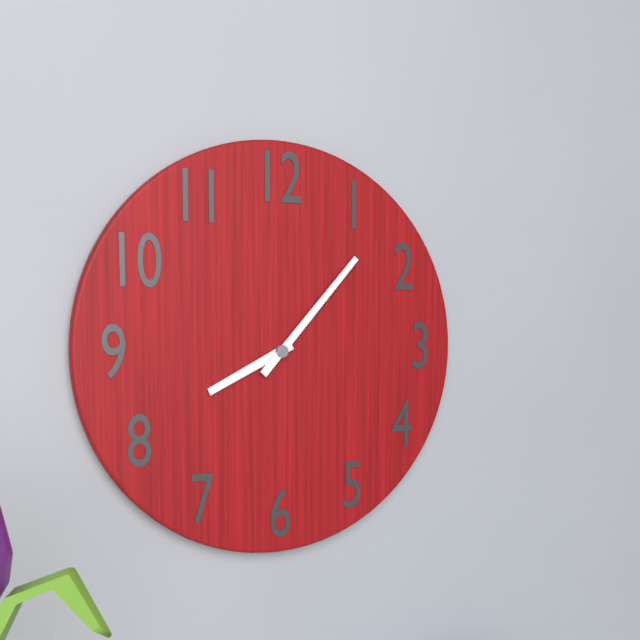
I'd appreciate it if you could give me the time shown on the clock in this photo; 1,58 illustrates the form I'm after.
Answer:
8,07
